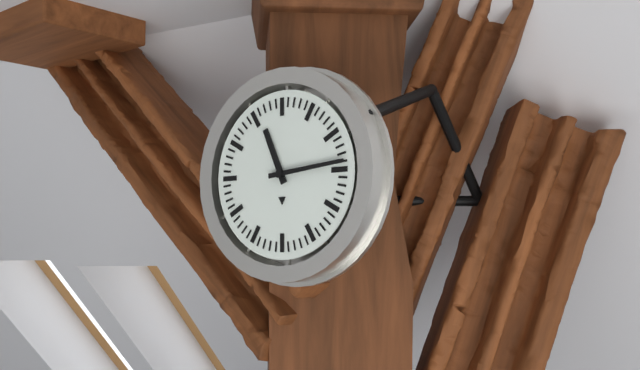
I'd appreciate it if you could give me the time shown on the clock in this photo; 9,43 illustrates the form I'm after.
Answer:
11,14
